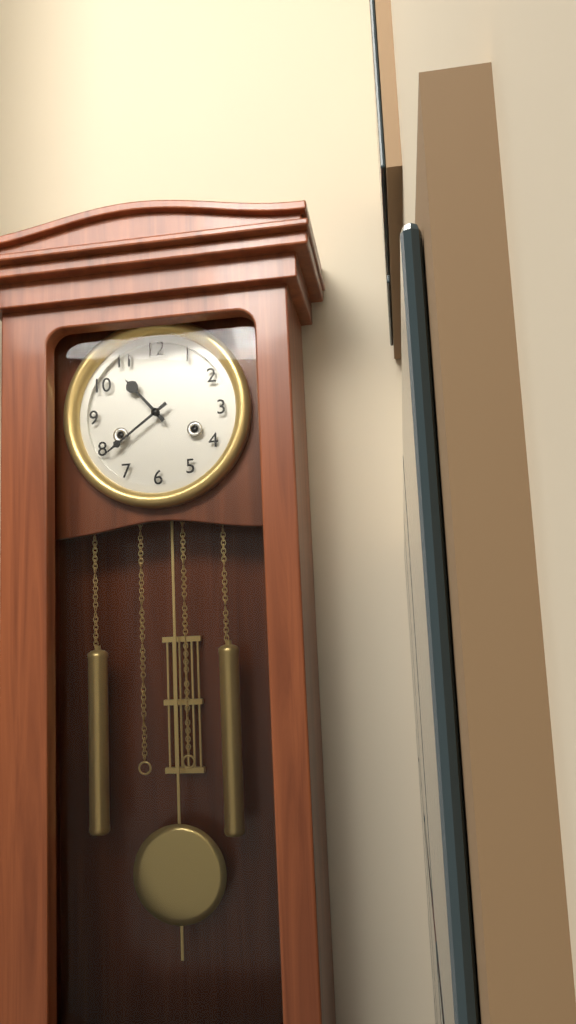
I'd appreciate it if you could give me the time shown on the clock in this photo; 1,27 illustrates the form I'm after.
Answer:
10,39
